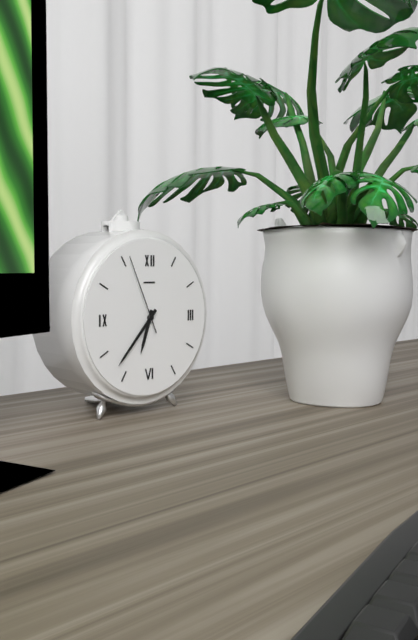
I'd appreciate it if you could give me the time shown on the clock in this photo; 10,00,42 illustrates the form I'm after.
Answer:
6,37,56
